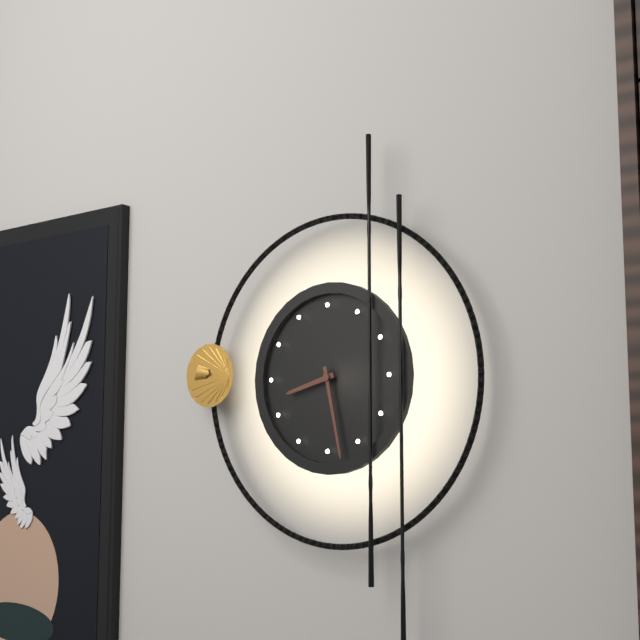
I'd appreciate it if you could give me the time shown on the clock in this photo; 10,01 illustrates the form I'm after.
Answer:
8,28
